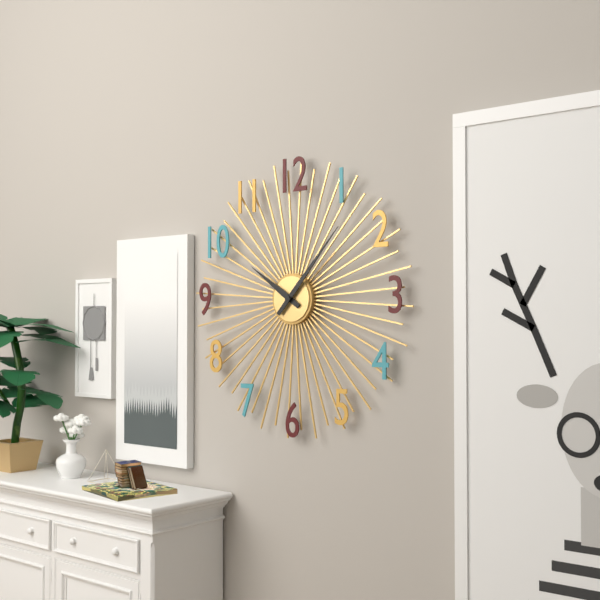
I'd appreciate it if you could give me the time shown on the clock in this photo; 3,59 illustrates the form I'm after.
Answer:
10,07
